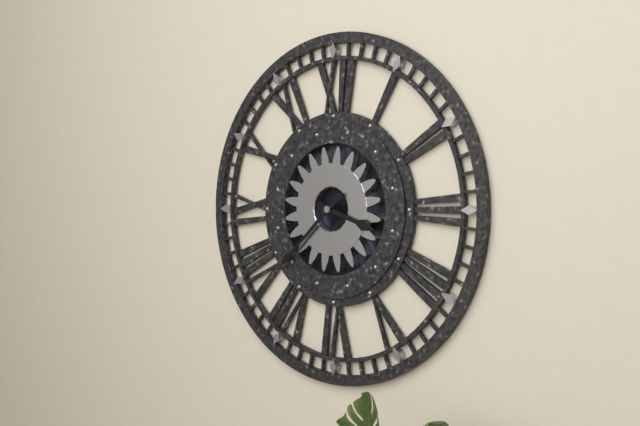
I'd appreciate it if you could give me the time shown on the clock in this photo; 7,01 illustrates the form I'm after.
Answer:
3,38
